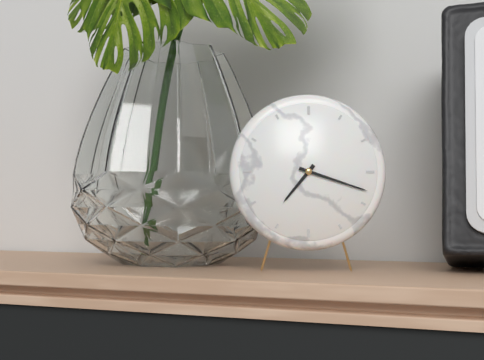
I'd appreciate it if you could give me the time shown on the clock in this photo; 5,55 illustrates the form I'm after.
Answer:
7,18
